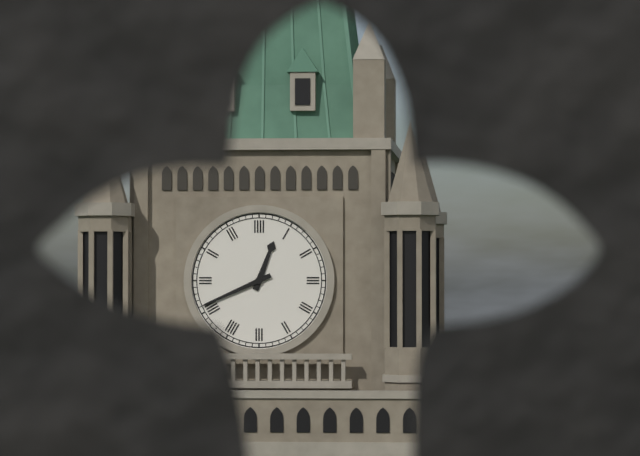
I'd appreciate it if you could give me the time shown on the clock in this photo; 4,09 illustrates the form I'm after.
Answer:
12,41
